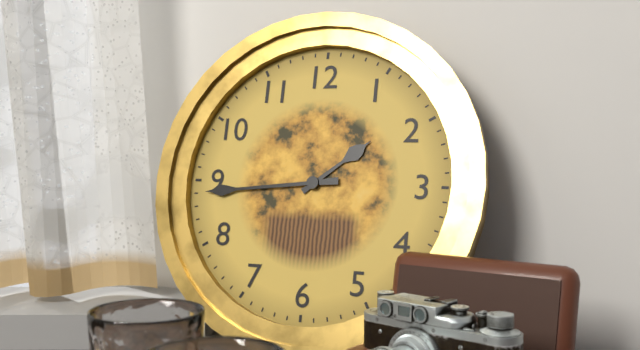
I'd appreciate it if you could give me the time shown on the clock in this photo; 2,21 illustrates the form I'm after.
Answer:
1,44
